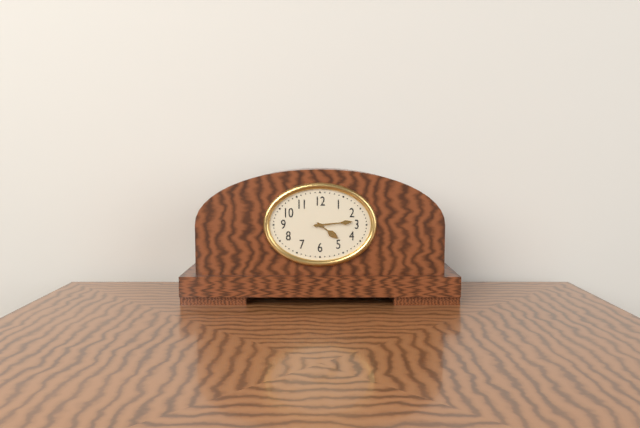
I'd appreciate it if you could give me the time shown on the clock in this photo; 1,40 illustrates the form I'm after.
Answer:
4,14
